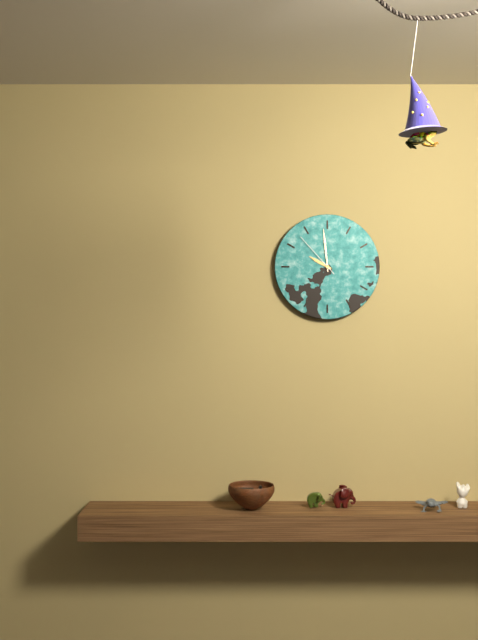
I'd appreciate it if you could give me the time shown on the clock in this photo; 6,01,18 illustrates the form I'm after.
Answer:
9,59,53
